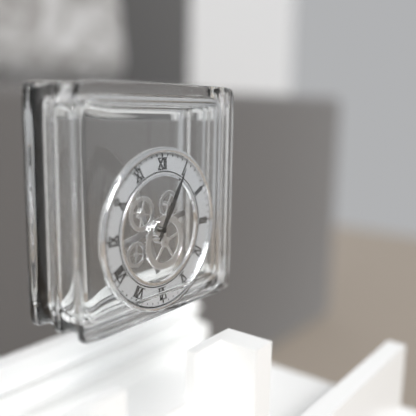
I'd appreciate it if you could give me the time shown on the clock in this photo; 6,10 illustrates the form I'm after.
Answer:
1,05
